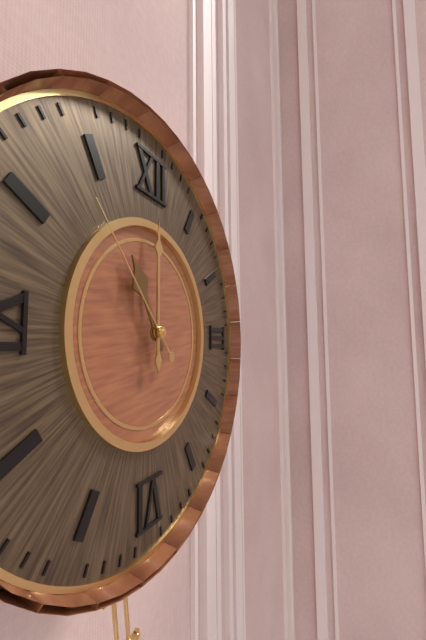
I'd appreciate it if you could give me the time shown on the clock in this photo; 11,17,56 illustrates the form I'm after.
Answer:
11,00,53
